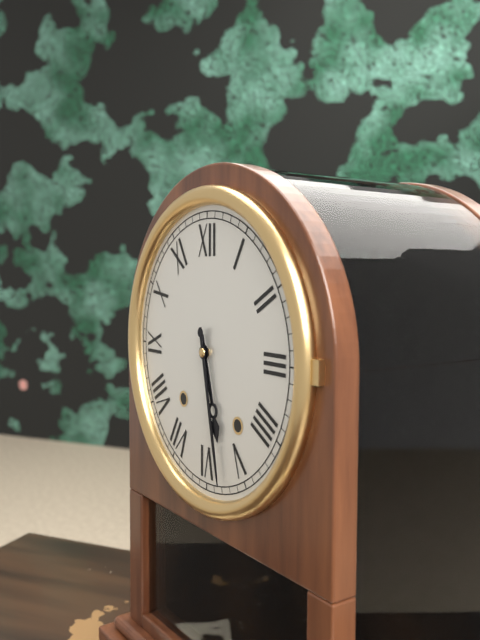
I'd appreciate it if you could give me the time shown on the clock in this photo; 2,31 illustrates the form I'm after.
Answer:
5,28
